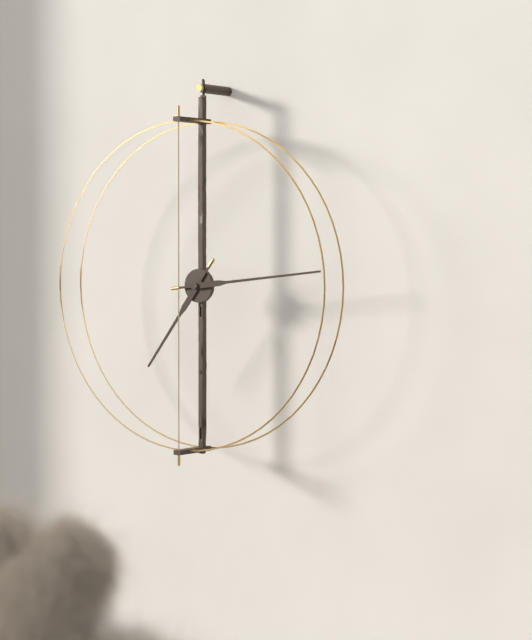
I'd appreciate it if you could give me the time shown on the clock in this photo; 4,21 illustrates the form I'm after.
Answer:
7,14
